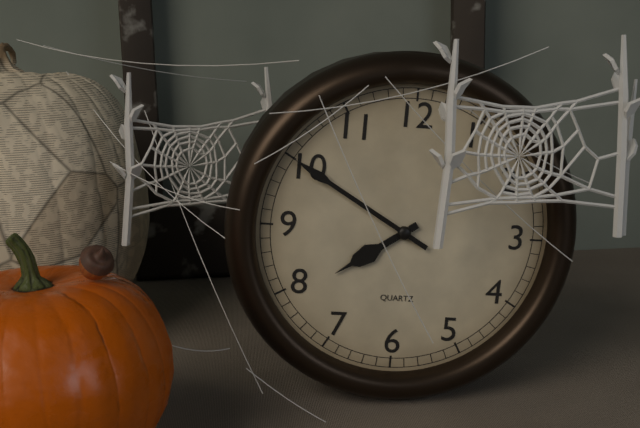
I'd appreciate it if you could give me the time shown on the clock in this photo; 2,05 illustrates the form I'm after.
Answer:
7,50
